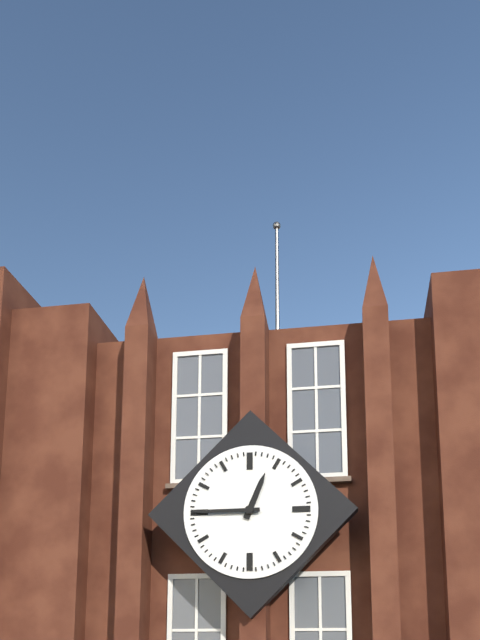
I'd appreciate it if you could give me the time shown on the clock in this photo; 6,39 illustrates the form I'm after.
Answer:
12,45
